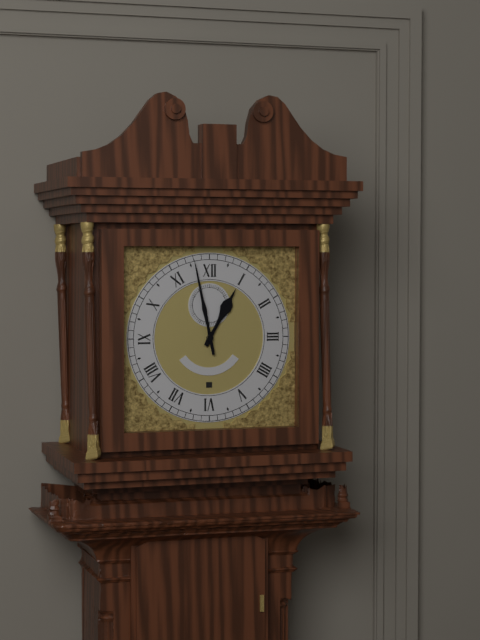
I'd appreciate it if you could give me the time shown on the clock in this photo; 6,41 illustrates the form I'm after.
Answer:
12,58
